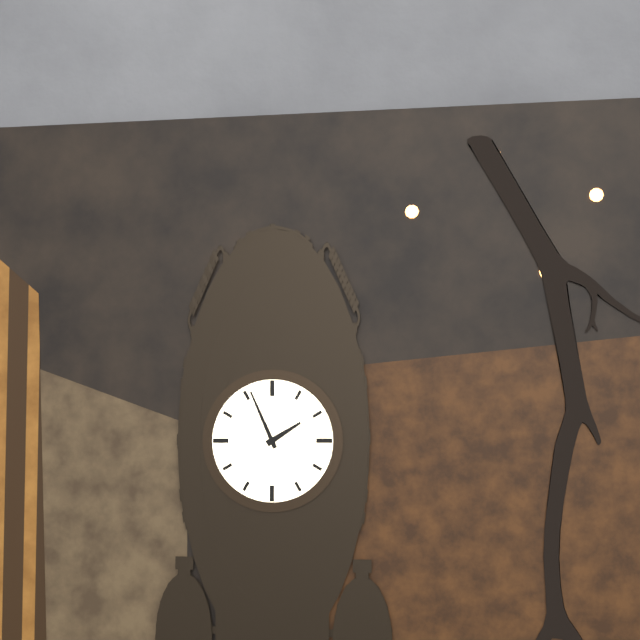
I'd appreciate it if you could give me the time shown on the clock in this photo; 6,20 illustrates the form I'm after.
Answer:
1,56
